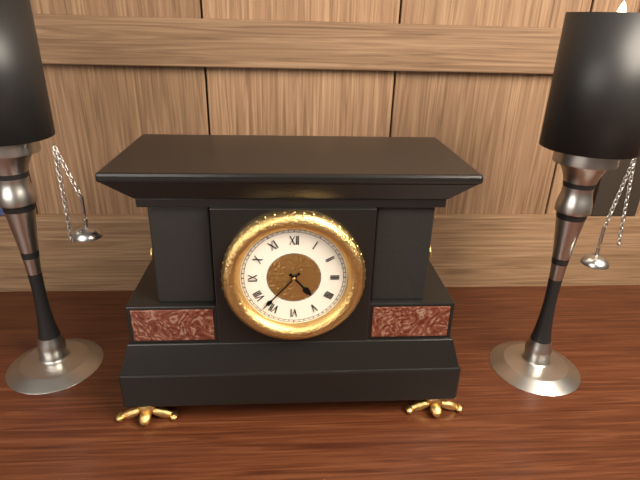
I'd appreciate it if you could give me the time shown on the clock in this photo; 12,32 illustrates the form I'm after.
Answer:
4,37
